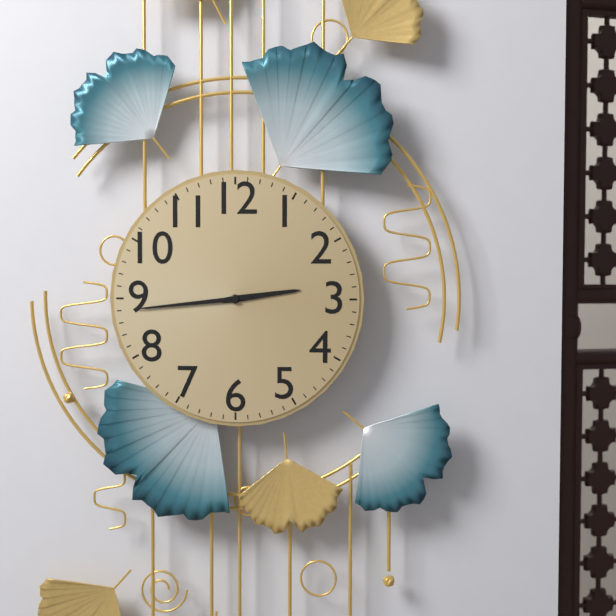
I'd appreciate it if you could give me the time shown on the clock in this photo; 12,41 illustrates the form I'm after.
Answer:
2,44
